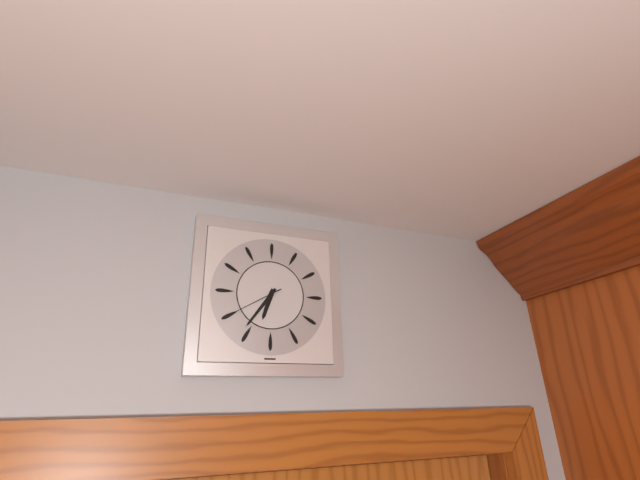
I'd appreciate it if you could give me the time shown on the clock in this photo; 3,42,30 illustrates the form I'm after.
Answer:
6,36,40
